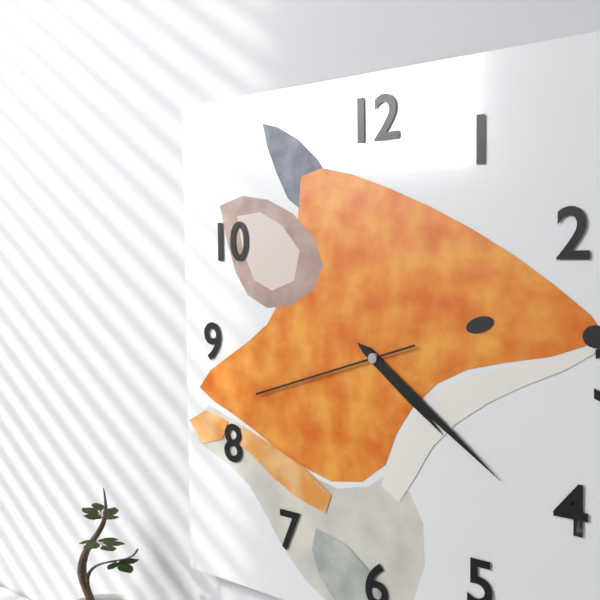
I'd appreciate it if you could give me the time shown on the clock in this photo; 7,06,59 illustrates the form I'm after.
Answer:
4,21,42
